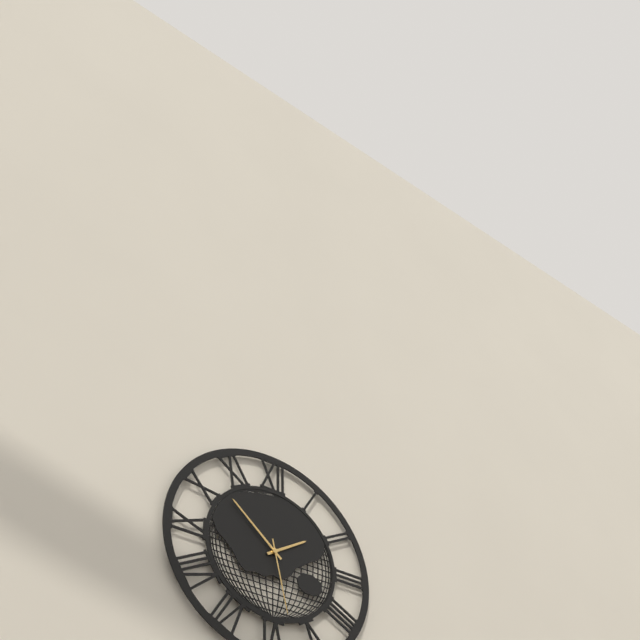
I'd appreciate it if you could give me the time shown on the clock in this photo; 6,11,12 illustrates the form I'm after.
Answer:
1,52,28
